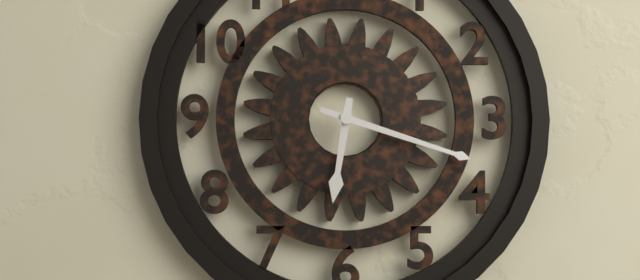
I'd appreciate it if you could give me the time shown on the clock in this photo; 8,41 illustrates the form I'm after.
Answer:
6,18
